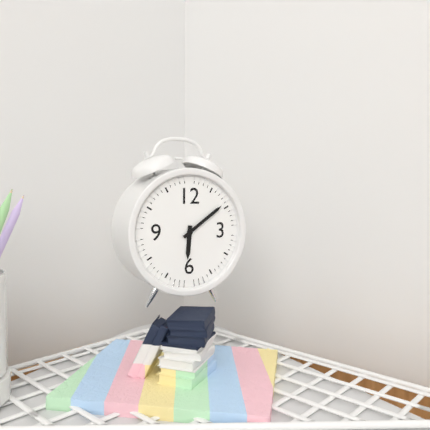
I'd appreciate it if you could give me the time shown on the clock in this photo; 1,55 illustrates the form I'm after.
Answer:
6,09
